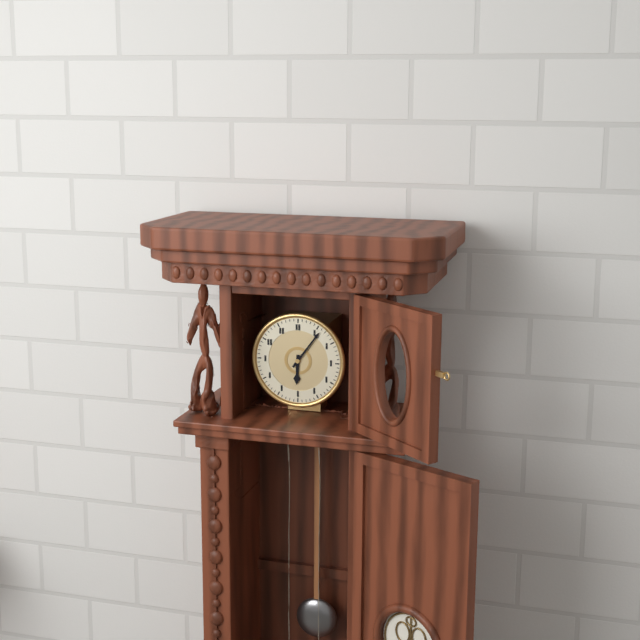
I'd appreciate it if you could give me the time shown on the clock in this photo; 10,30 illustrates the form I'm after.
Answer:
6,06
